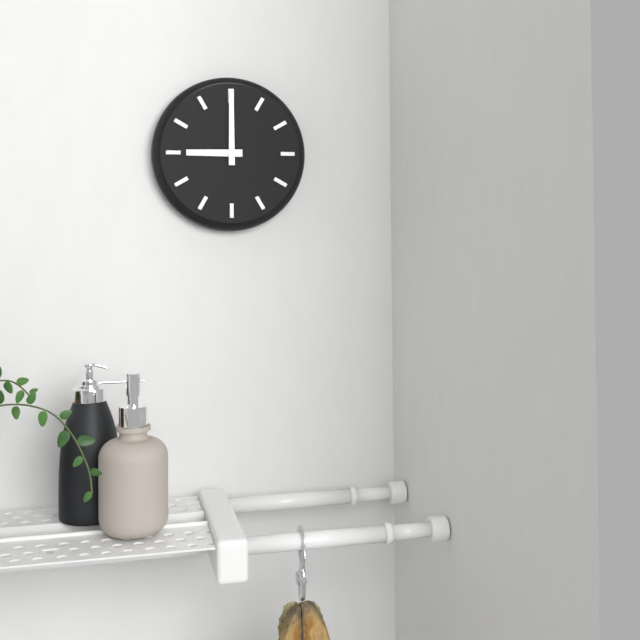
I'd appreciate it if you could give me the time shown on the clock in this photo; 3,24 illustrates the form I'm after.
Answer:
9,00
